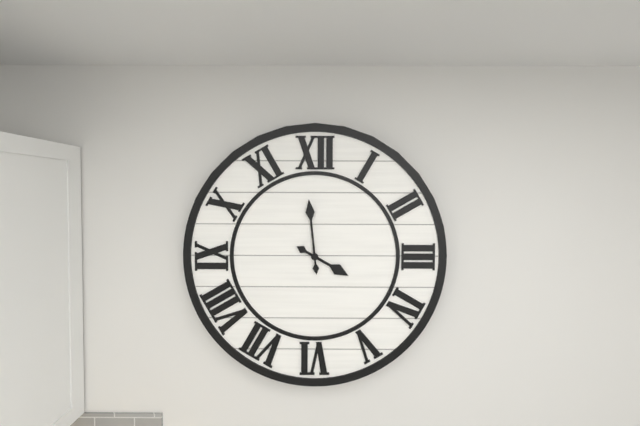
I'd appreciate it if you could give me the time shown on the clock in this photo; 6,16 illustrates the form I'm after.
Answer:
3,59
